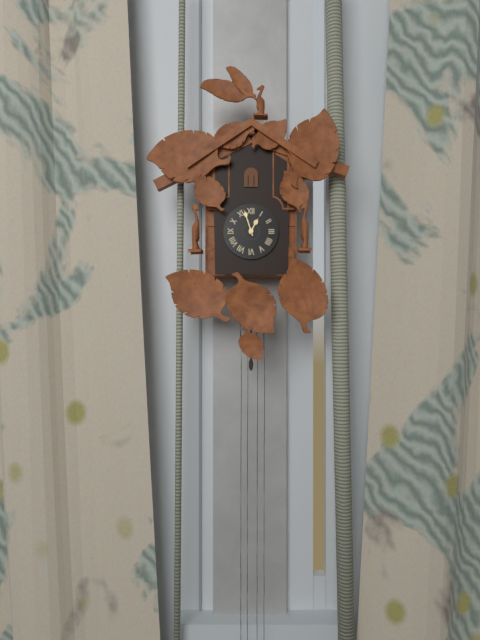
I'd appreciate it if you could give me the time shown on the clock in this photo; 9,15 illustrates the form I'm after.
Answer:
12,57
